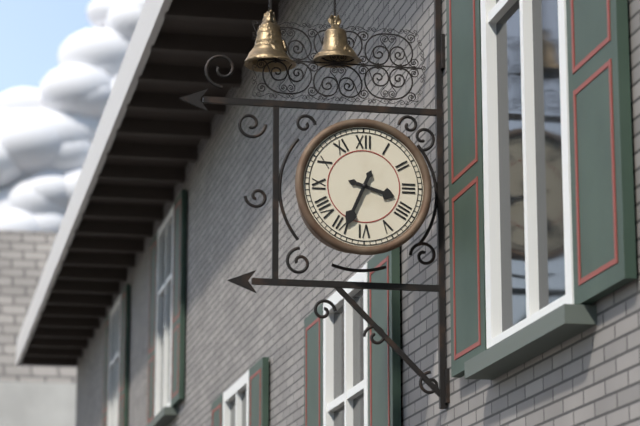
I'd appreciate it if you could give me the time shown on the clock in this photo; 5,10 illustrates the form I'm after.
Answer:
3,34
